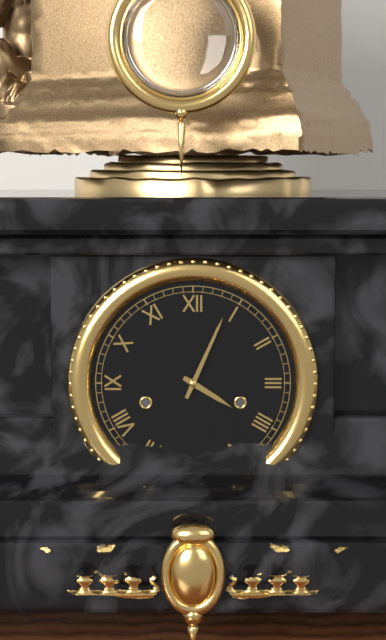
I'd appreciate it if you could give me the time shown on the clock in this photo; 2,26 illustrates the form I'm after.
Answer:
4,04
